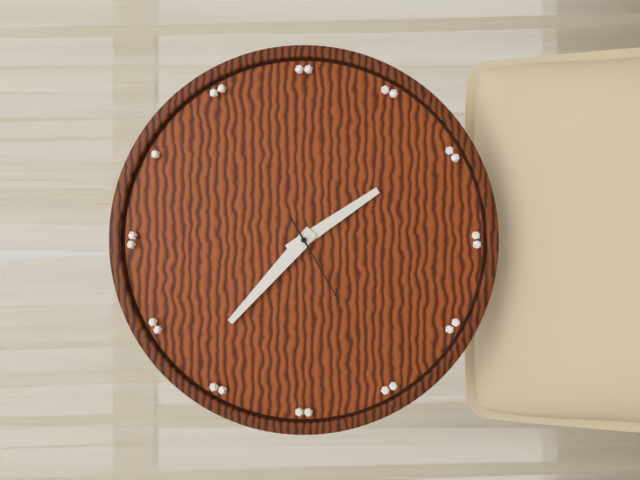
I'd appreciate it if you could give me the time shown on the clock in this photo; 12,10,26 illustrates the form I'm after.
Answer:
4,52,40
